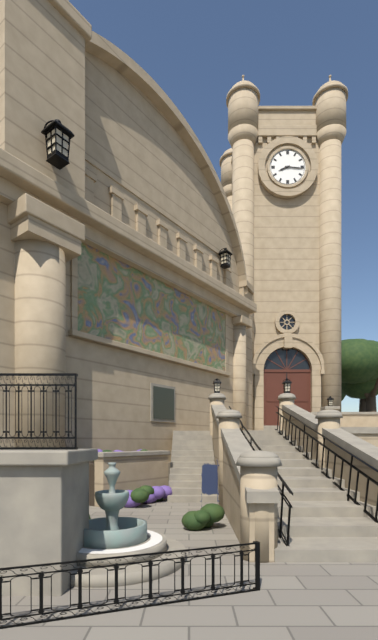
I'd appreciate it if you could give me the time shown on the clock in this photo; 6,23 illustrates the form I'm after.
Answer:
8,16
